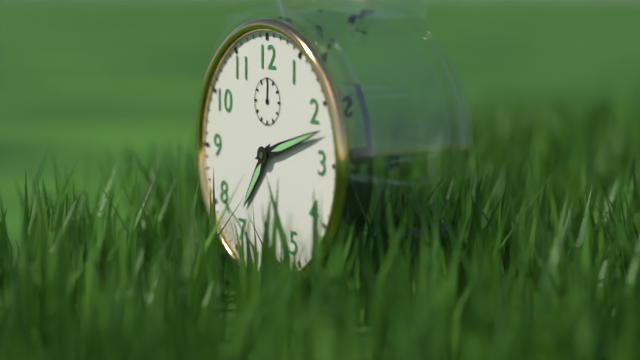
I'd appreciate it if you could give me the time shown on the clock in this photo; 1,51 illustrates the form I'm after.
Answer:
7,12
